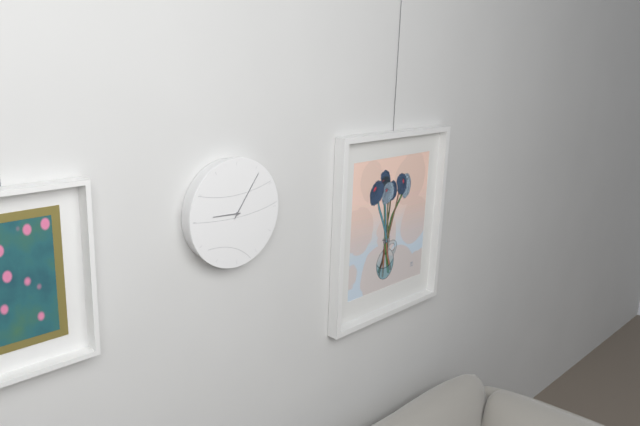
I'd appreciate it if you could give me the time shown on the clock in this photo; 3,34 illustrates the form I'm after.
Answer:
9,06
